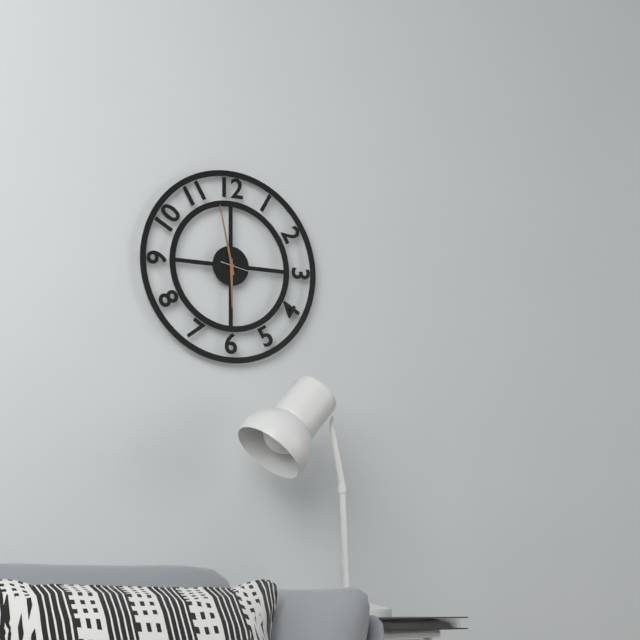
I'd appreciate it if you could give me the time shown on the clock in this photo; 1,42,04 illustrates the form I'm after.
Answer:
5,58,17
